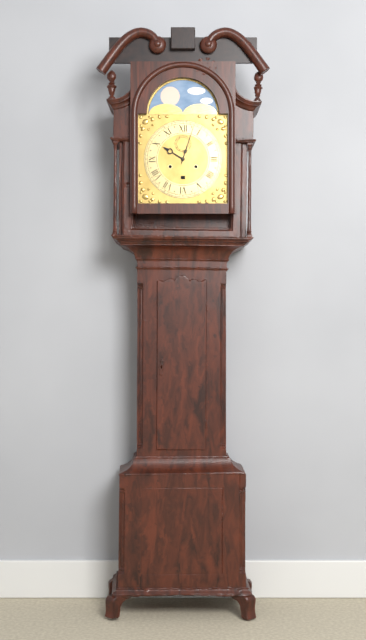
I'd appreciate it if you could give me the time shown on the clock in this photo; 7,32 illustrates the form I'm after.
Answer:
10,03
